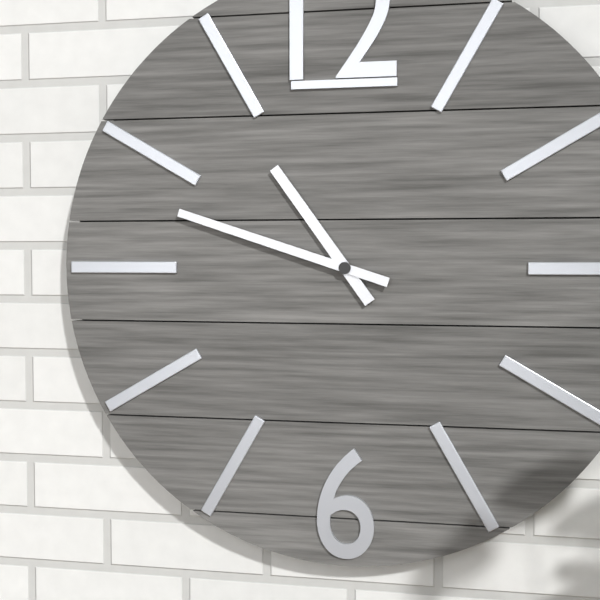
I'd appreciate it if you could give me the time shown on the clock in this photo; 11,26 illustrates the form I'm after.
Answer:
10,48
